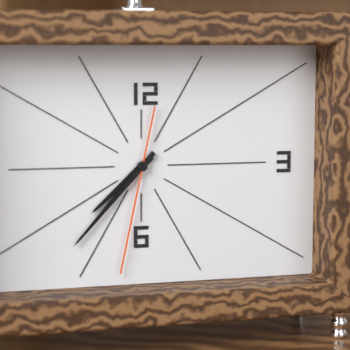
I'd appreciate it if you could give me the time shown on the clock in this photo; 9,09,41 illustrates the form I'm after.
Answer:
7,37,32
